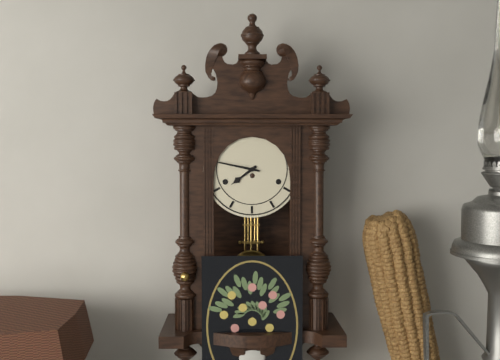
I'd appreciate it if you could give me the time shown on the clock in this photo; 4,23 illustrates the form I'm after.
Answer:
7,47
